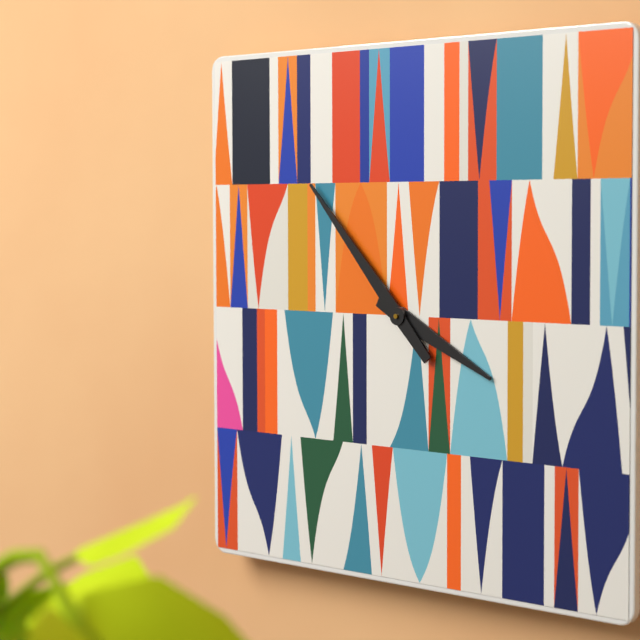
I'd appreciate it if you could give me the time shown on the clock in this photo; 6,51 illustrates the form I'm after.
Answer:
3,53
